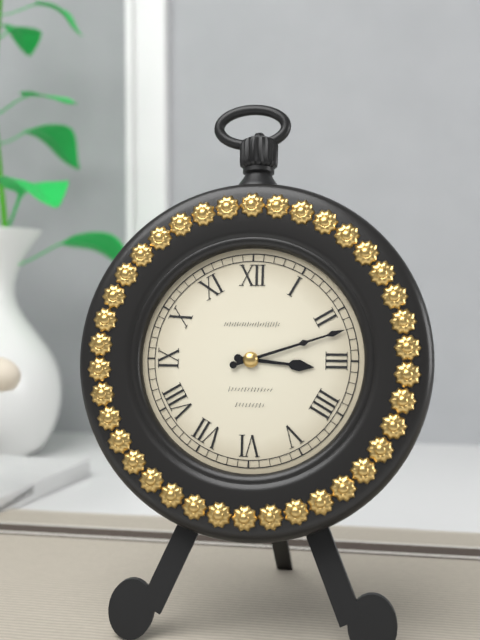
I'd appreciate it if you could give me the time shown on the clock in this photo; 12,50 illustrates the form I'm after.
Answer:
3,12
